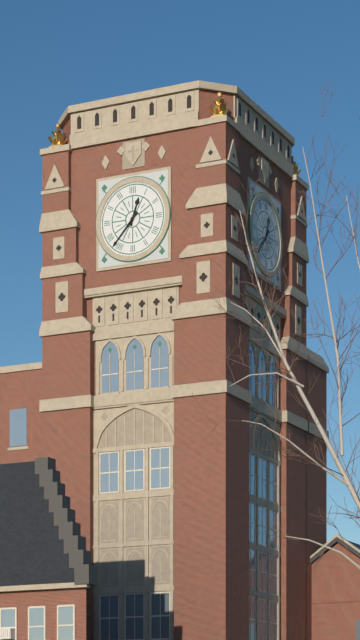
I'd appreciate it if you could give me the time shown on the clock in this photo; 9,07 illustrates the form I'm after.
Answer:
12,37
